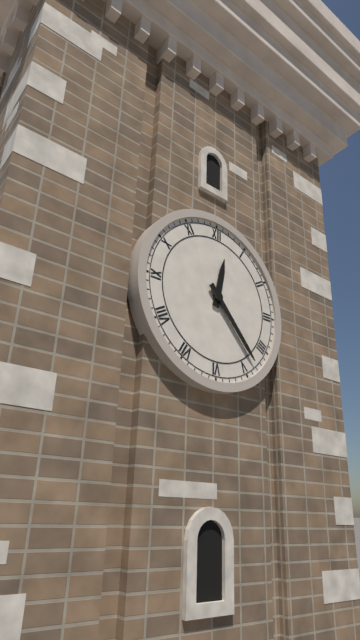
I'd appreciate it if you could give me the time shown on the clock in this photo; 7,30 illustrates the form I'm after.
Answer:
12,23
